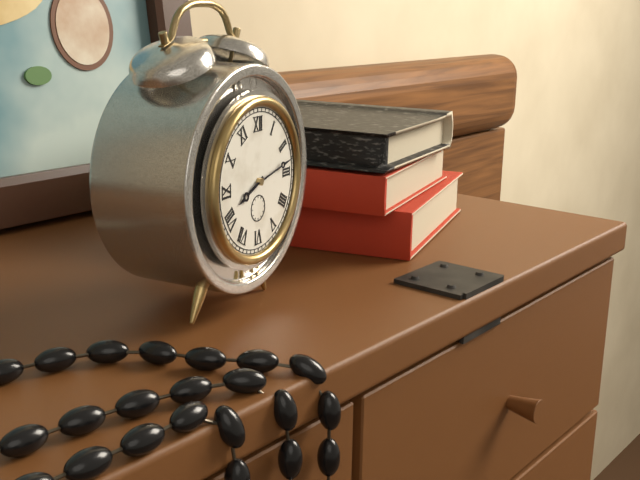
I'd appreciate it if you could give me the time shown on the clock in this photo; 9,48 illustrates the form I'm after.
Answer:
8,13
